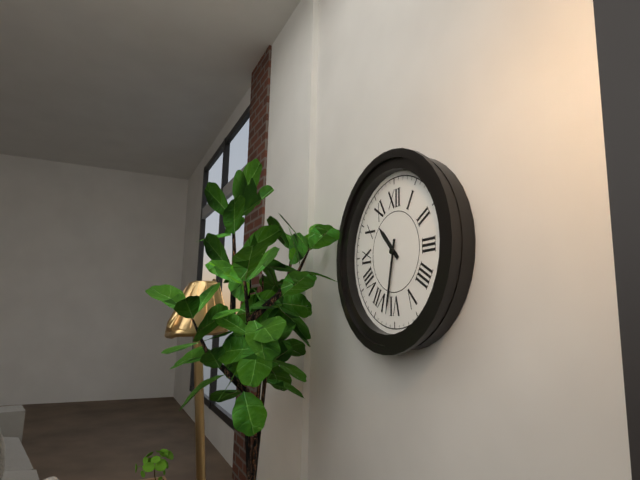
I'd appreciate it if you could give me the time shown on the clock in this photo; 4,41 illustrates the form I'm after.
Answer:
10,32
